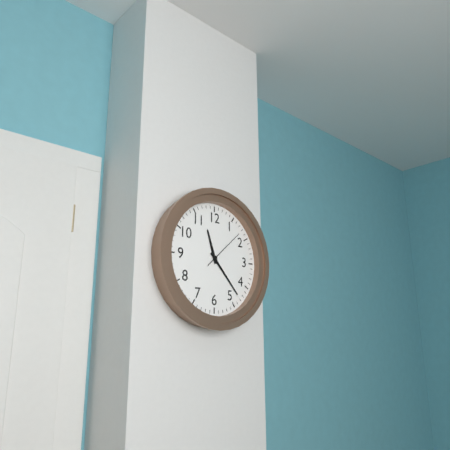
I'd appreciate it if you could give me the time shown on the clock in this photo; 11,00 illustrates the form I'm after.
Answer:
11,23
